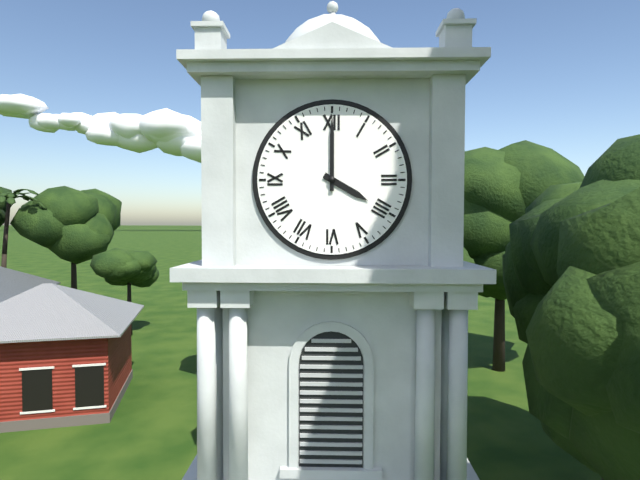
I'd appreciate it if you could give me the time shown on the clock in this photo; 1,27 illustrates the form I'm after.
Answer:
4,00
